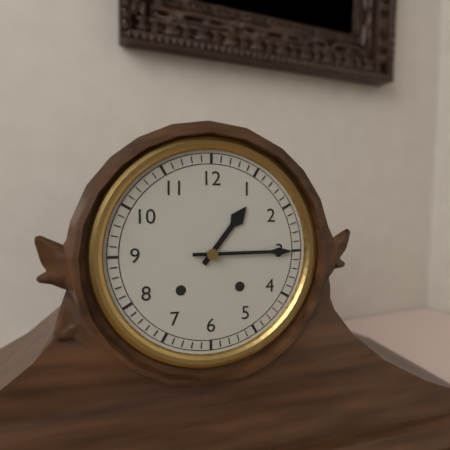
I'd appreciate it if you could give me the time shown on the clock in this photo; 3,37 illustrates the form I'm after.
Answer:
1,15
